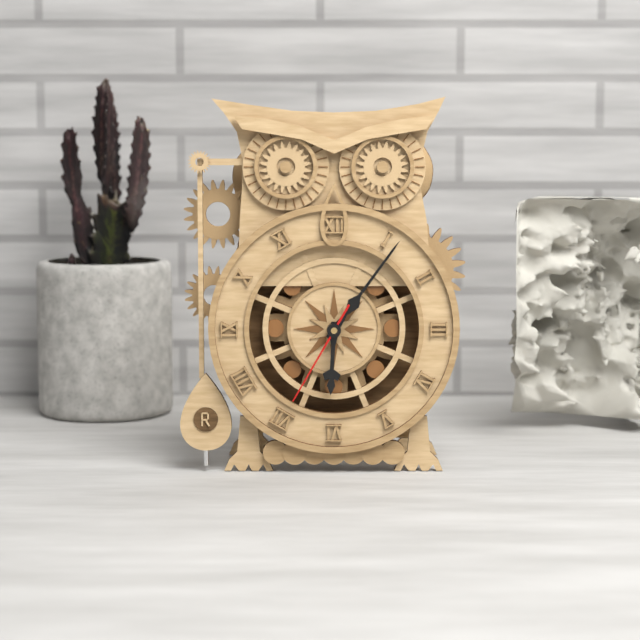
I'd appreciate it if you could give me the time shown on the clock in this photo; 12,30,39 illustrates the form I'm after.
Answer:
6,06,35
